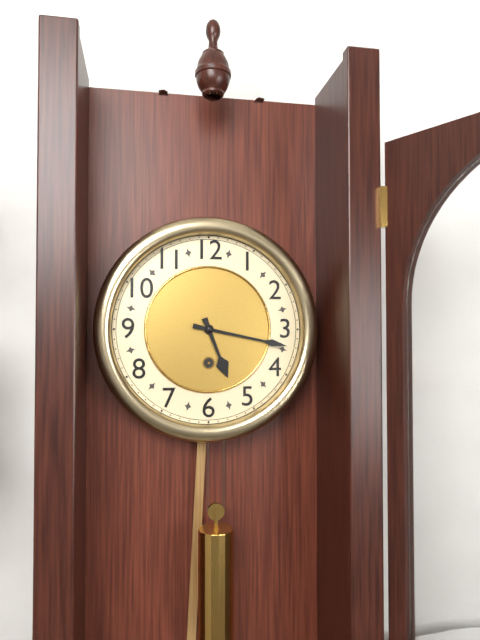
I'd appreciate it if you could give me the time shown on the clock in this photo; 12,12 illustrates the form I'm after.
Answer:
5,17
